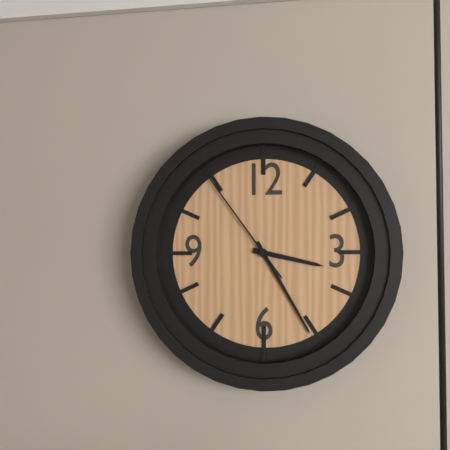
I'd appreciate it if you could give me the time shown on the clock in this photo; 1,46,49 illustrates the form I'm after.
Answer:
3,25,54
